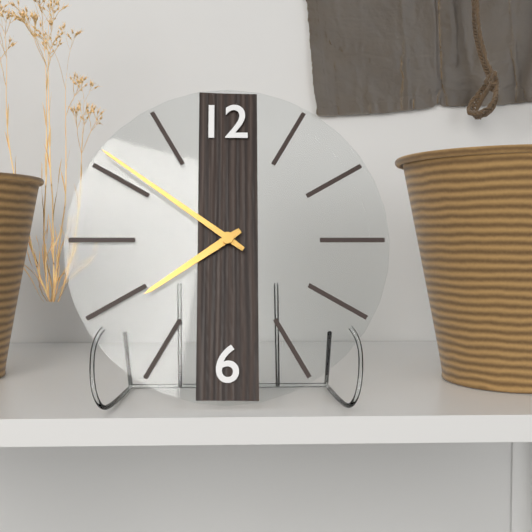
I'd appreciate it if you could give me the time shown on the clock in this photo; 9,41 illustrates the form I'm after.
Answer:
7,51
